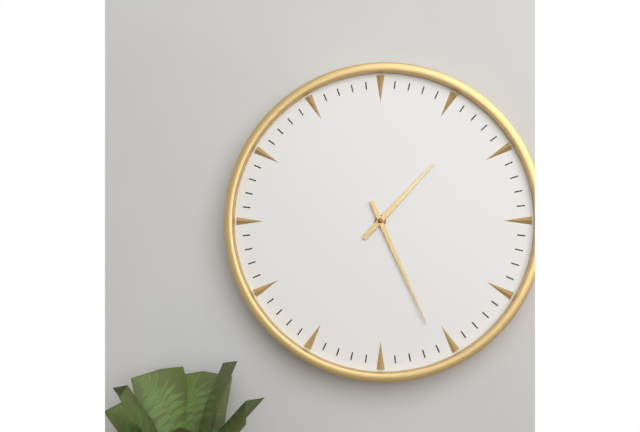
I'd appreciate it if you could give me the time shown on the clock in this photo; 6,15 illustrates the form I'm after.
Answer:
1,26
